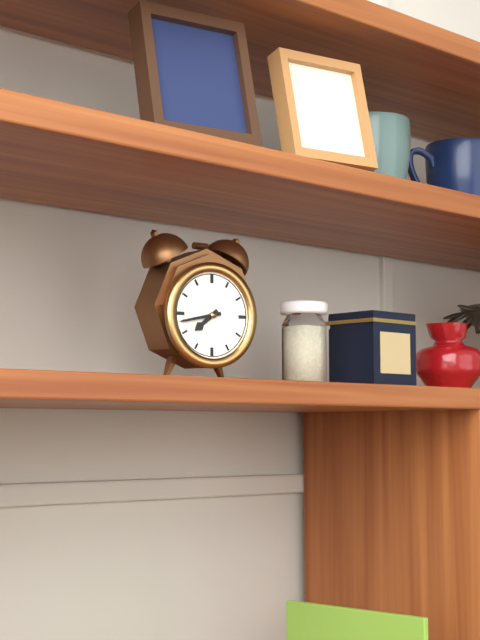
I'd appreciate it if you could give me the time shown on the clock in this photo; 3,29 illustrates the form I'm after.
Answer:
7,43
